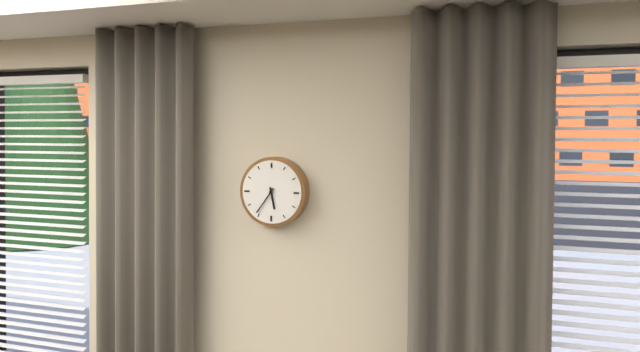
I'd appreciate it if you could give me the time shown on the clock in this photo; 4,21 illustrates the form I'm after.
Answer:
5,36
